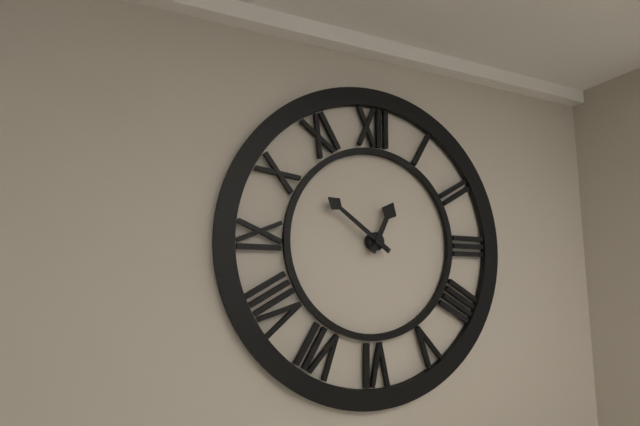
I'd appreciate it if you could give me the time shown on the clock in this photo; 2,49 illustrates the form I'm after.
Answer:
12,51
